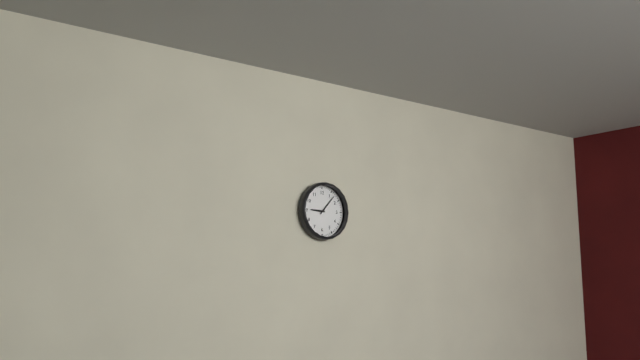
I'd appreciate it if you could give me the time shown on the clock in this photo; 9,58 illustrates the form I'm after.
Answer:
9,07
